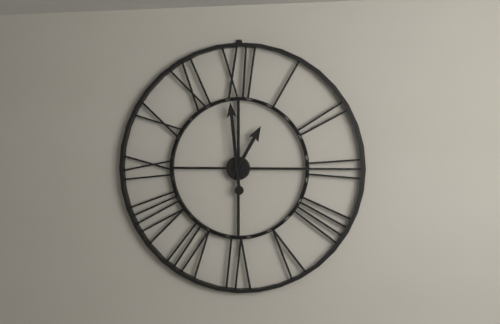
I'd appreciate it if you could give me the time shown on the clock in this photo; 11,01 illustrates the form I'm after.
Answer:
12,59
